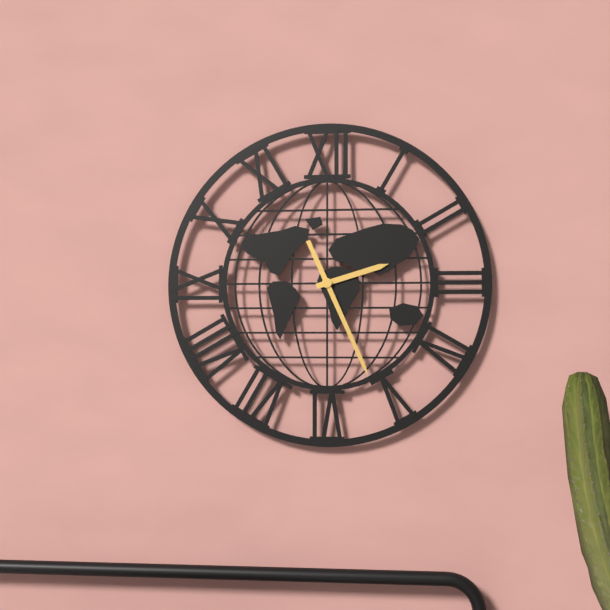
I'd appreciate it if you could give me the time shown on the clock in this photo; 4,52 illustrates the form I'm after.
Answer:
2,26
